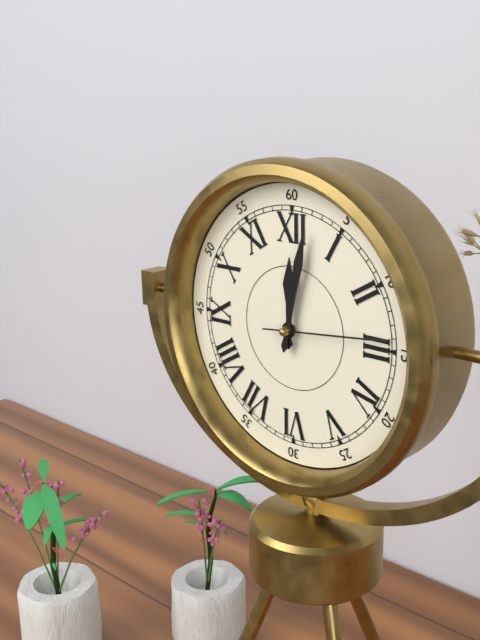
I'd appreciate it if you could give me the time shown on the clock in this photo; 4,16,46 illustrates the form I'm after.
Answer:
12,02,14
